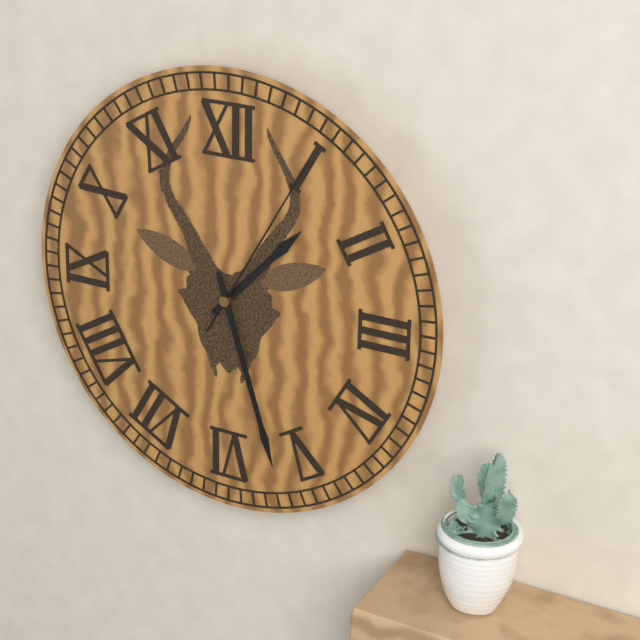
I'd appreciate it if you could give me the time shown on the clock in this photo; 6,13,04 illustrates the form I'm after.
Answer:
1,27,05
